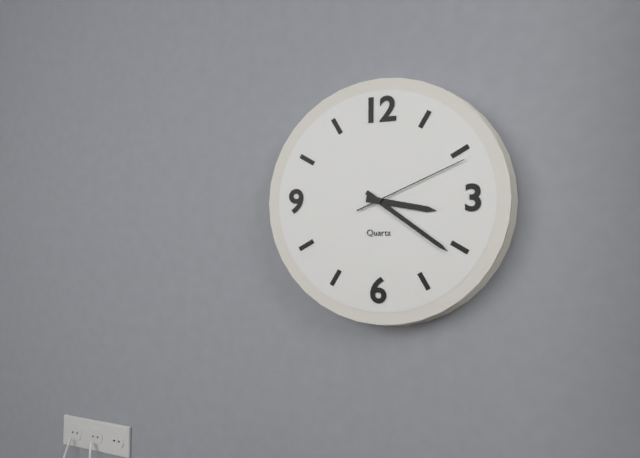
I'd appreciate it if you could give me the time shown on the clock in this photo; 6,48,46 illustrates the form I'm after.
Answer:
3,21,11
